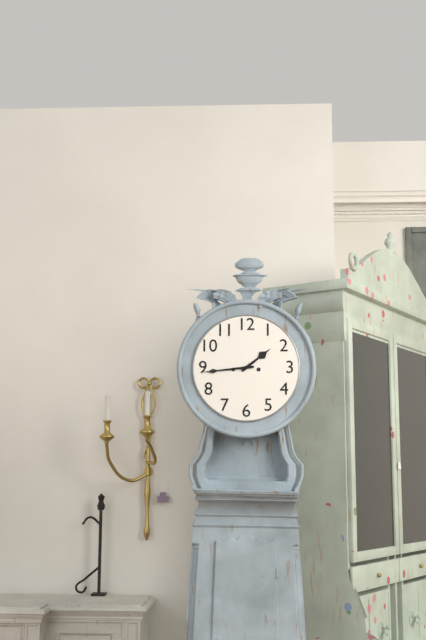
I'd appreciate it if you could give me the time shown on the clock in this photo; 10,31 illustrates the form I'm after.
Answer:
1,44
